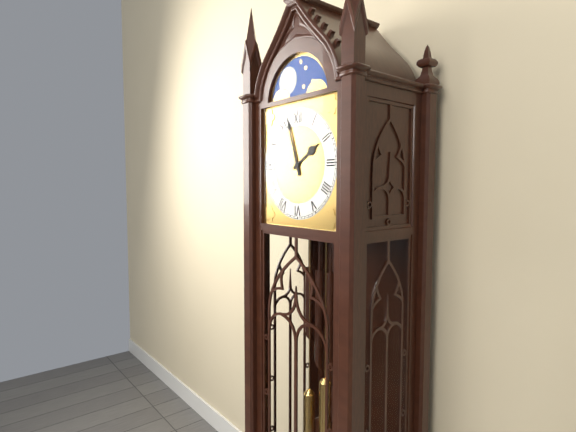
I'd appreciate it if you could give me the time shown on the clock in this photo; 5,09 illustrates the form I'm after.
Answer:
1,57
